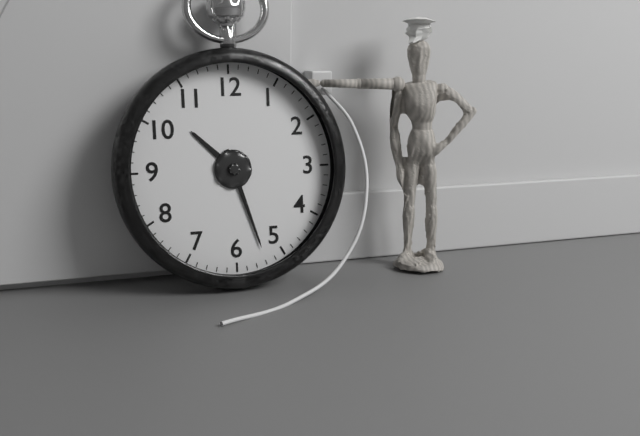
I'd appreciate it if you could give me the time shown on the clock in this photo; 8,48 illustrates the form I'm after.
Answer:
10,27
